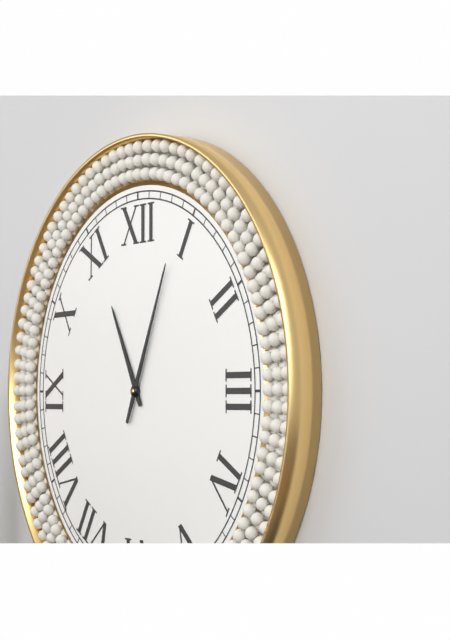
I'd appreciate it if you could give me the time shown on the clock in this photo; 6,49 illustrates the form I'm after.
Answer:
11,04
